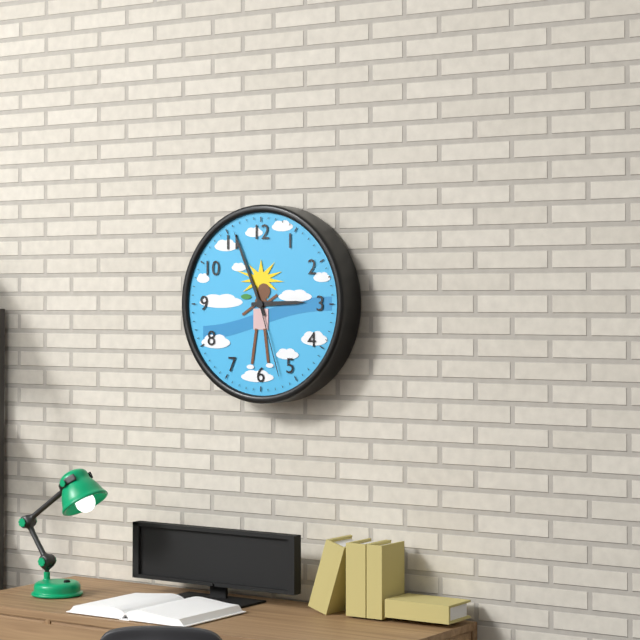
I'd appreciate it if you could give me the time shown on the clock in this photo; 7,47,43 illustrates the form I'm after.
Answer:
2,56,27
